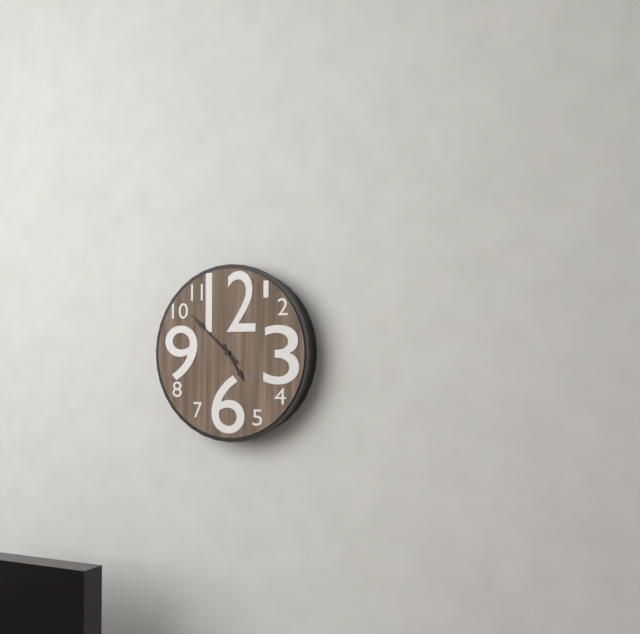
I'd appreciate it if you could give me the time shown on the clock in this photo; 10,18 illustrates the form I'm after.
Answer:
4,52
